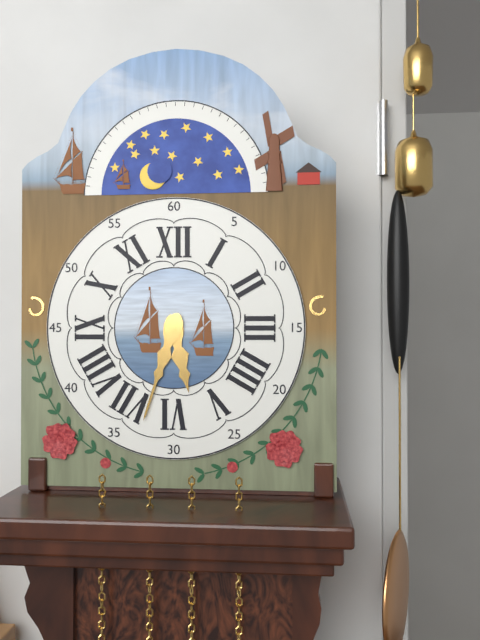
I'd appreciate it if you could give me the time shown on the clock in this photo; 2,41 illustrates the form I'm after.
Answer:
5,33
